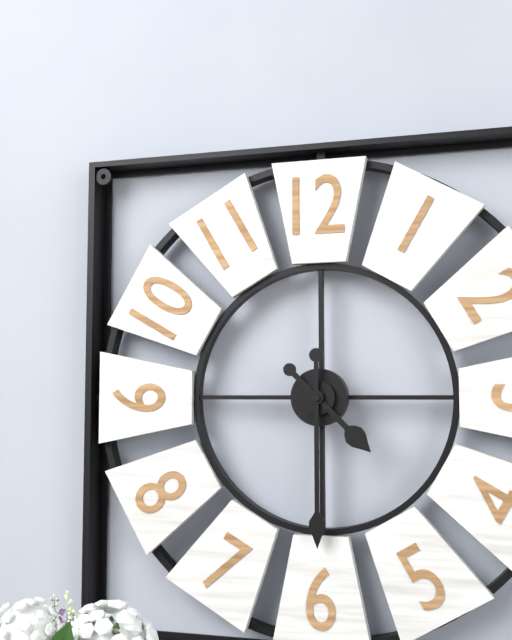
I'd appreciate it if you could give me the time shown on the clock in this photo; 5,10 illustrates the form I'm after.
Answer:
4,30
